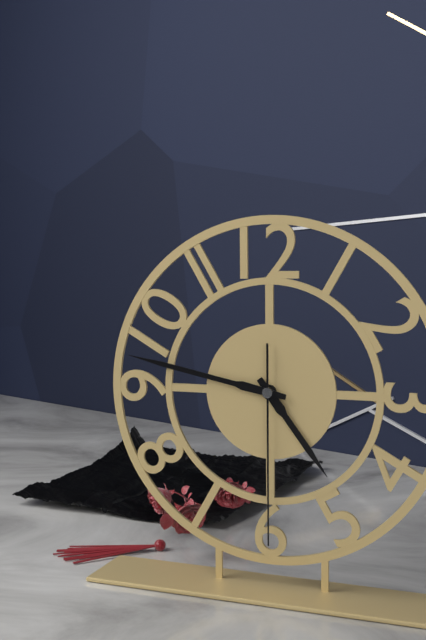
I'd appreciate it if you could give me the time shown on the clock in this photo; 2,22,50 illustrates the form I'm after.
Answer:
4,47,30
